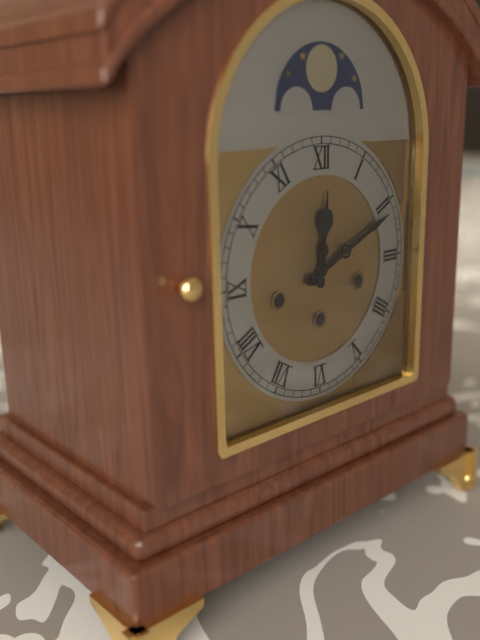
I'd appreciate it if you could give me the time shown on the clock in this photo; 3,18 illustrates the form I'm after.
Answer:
12,11
